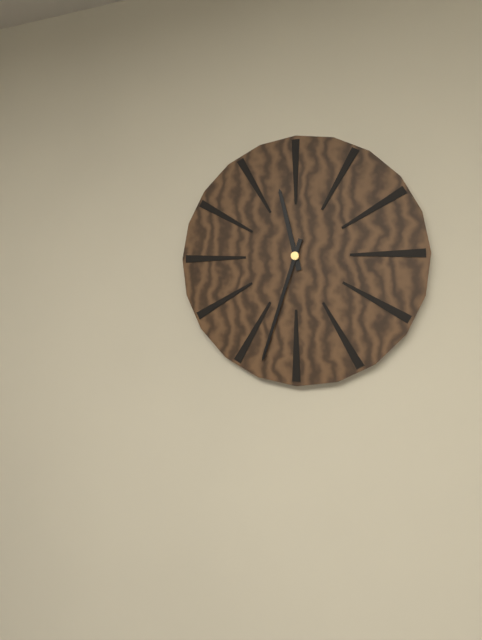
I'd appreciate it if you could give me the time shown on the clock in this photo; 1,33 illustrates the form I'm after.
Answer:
11,33
